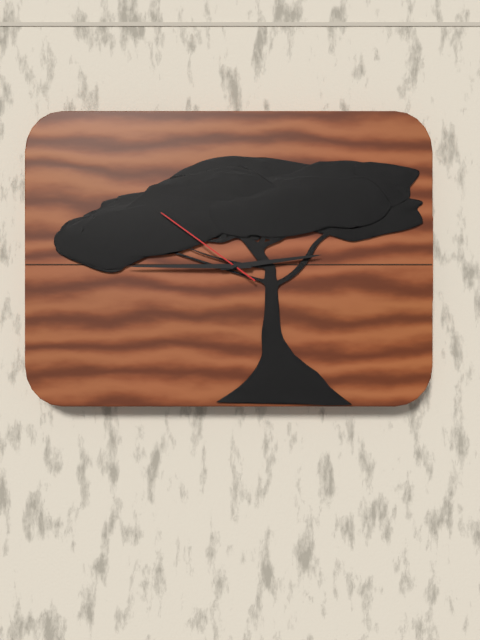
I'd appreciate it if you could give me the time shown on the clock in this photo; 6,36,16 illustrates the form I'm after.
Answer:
2,45,51
